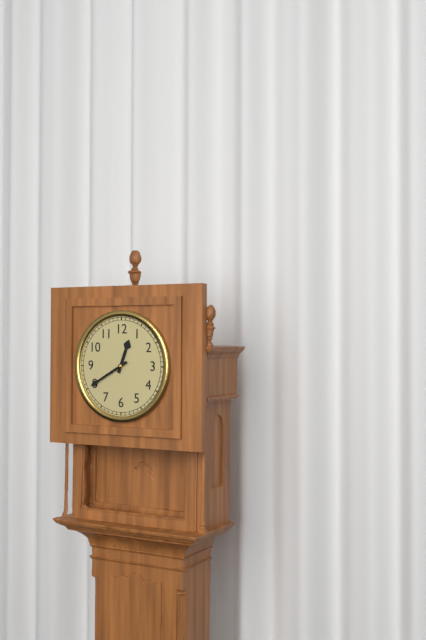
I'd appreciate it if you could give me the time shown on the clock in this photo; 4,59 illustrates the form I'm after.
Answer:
12,40
